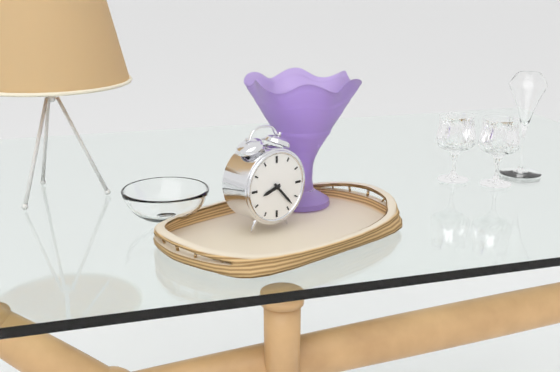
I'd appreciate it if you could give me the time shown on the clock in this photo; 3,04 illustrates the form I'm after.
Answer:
8,23
